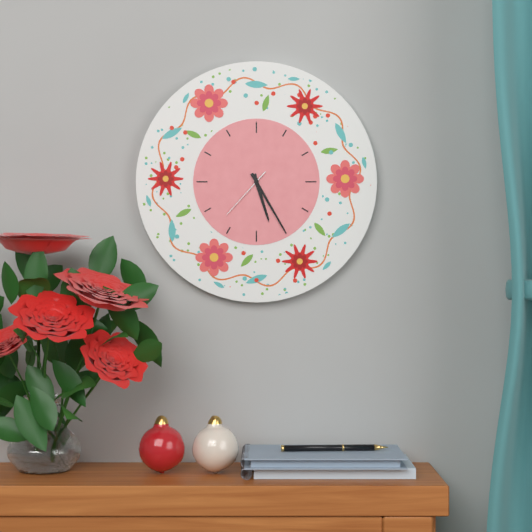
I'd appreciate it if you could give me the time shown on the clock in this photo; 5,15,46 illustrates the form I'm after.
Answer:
5,25,37
